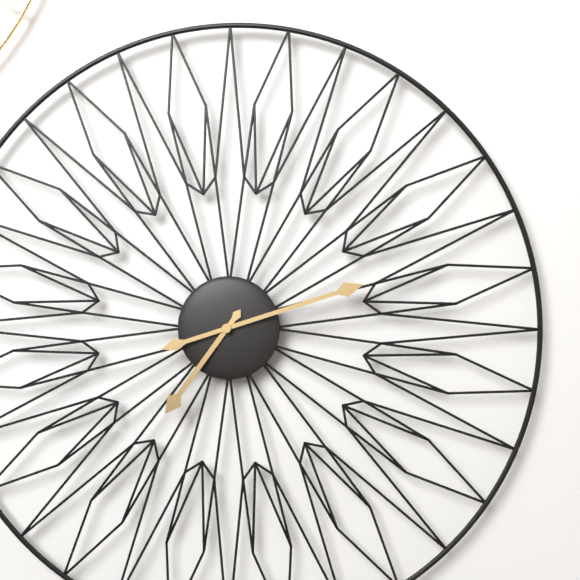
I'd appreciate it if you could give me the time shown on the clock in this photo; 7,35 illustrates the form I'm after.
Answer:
7,12
